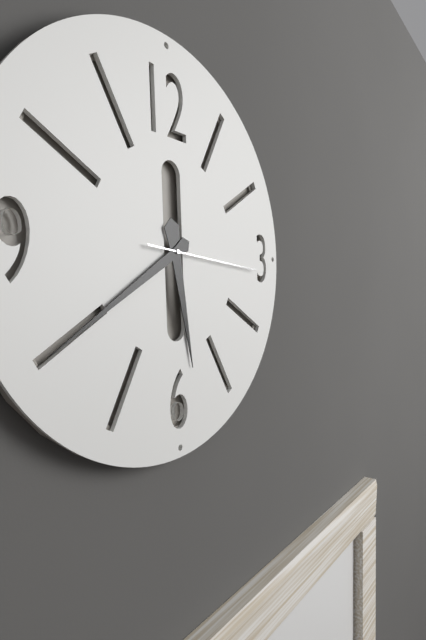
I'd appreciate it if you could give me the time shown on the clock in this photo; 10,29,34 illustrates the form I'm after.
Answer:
5,40,16
